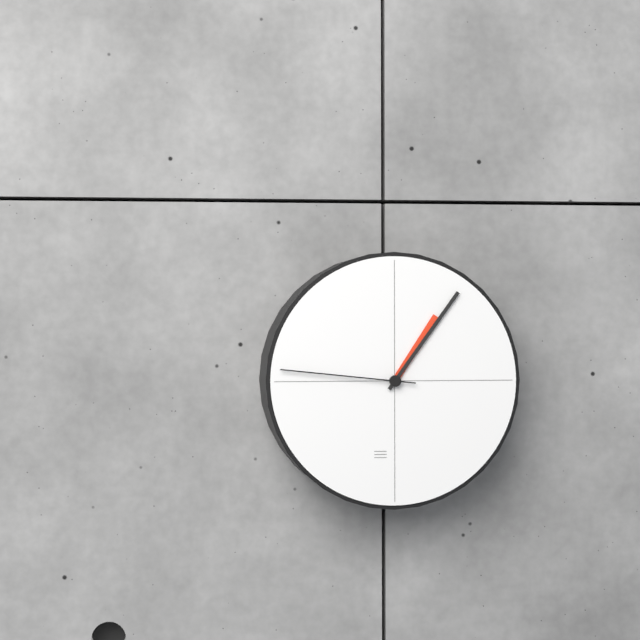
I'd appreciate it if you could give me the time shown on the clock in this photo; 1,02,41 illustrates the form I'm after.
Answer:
1,06,46
